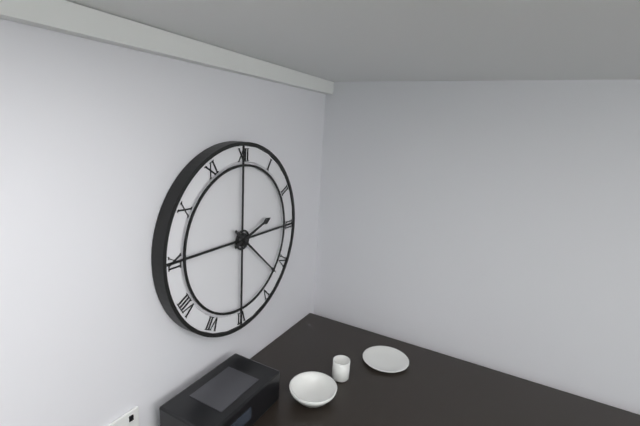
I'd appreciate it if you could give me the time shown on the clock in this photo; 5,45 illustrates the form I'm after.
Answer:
2,22
